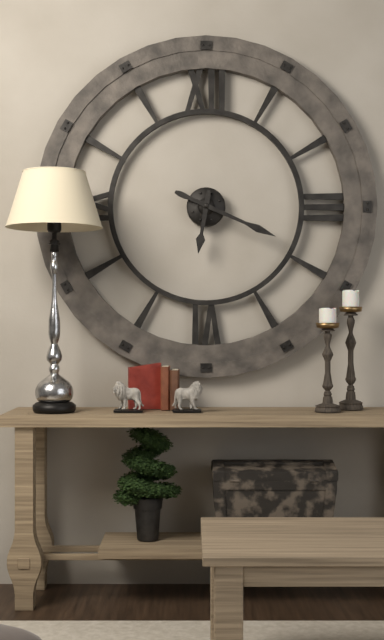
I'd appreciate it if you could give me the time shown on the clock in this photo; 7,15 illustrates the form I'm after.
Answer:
6,19
